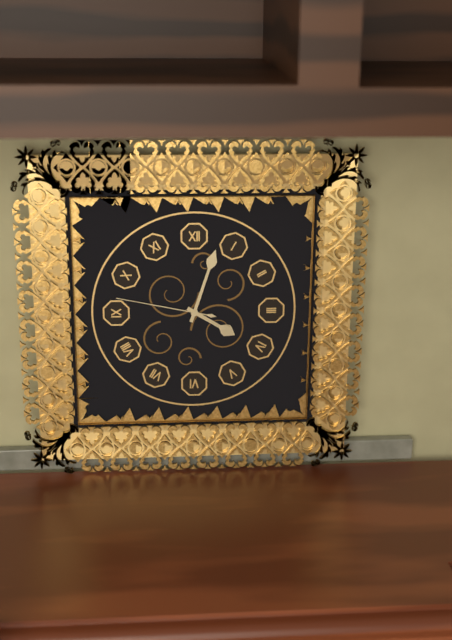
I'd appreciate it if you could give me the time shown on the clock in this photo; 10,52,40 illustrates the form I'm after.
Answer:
4,03,47
